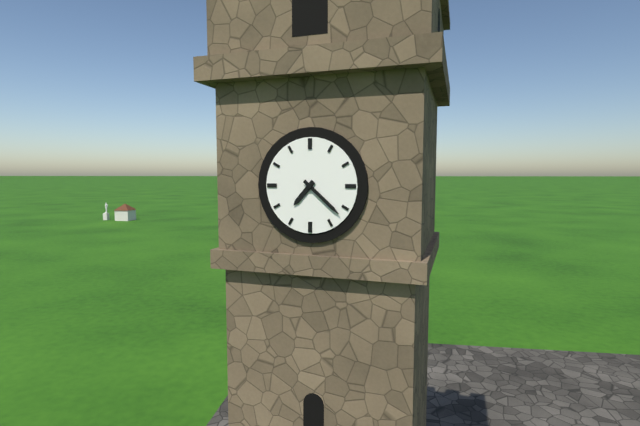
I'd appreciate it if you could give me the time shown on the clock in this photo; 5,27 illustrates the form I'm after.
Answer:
7,22
